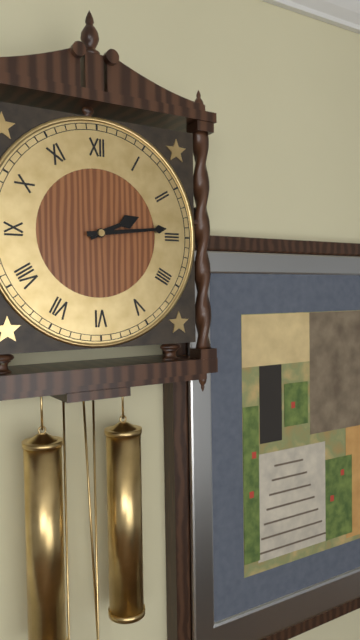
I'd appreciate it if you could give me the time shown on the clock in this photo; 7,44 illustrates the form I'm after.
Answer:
2,14
